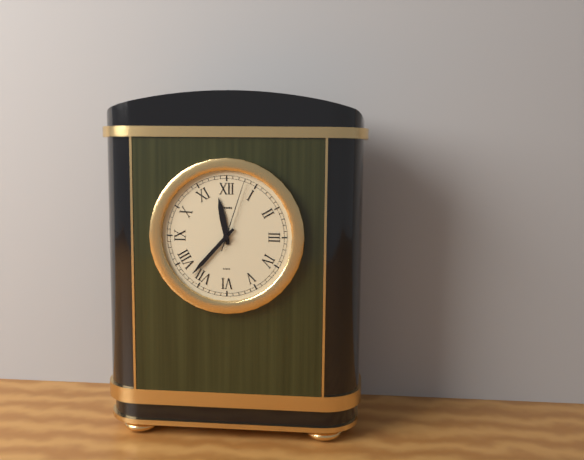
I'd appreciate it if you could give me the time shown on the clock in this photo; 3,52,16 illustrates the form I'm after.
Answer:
11,37,03
